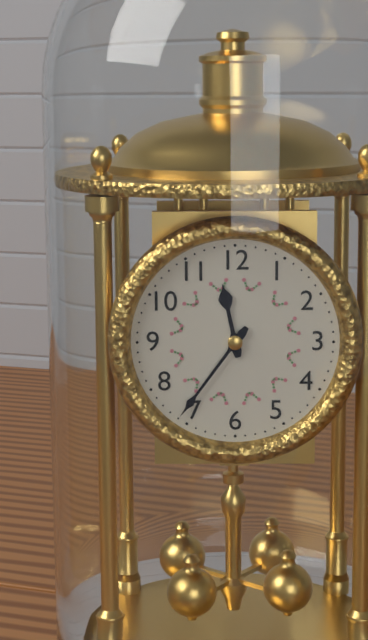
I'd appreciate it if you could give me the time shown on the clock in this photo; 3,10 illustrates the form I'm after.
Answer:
11,36
